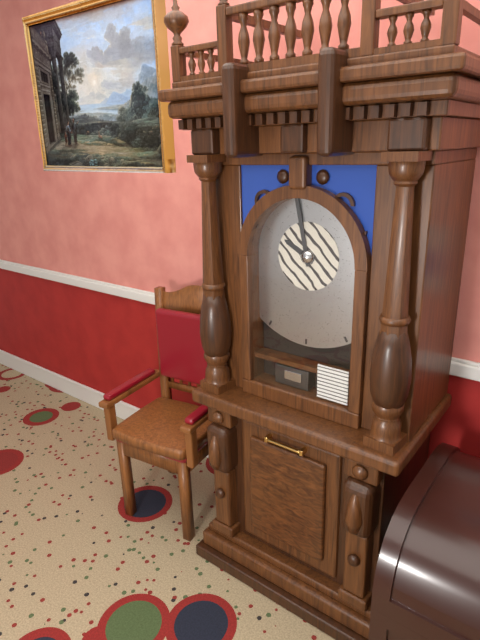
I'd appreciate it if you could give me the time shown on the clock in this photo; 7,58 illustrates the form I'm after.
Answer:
9,58
